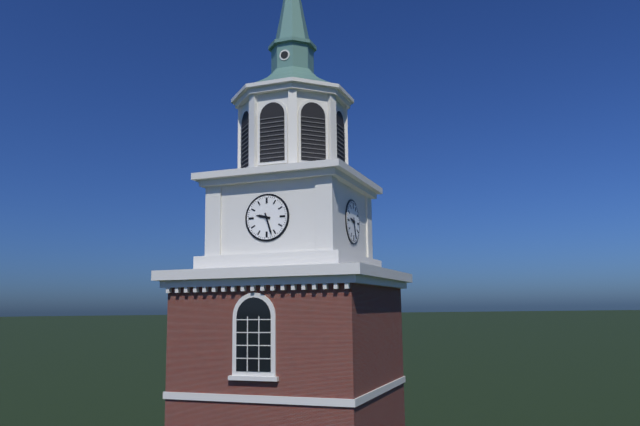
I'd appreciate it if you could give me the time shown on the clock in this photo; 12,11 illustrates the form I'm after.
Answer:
9,27
